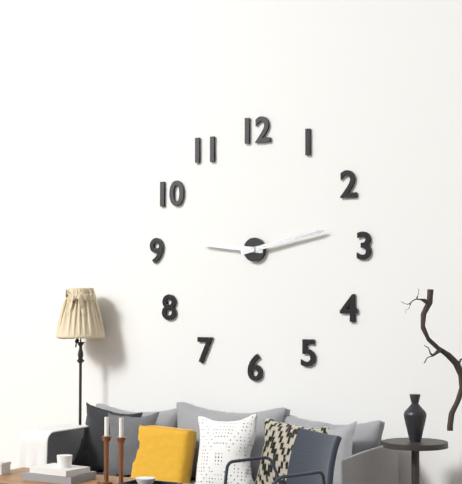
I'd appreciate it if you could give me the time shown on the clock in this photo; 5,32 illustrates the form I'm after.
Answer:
9,13
